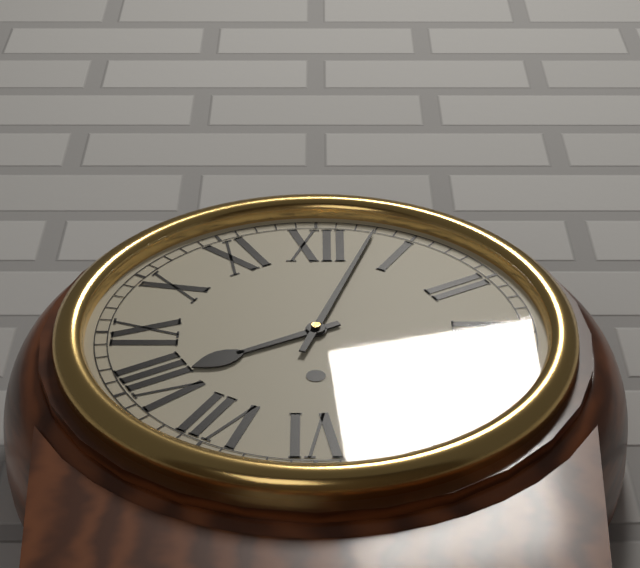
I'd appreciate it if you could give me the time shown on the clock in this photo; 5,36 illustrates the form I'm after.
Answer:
8,03
